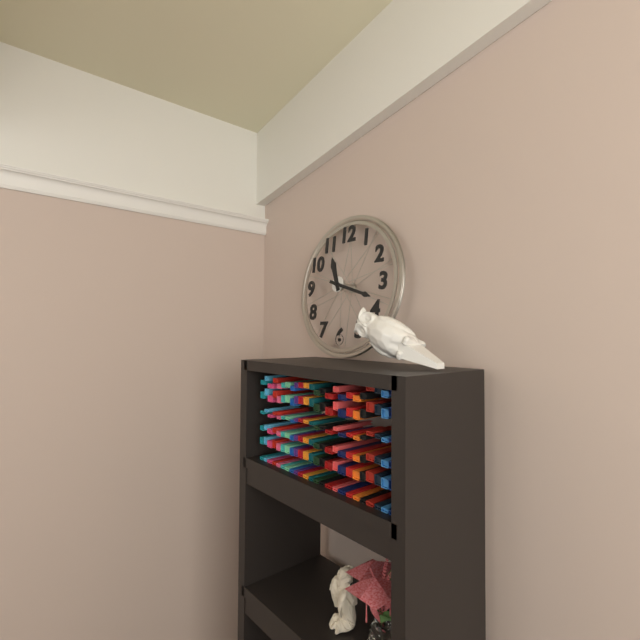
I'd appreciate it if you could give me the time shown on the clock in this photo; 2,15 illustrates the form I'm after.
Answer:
11,18
